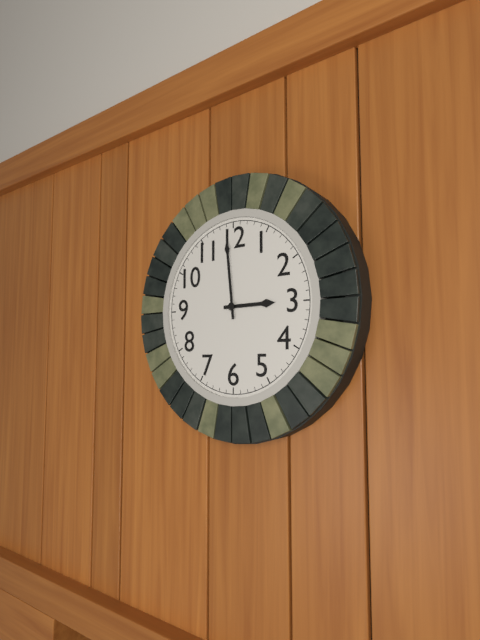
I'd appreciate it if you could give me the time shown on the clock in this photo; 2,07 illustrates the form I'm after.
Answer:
2,59
